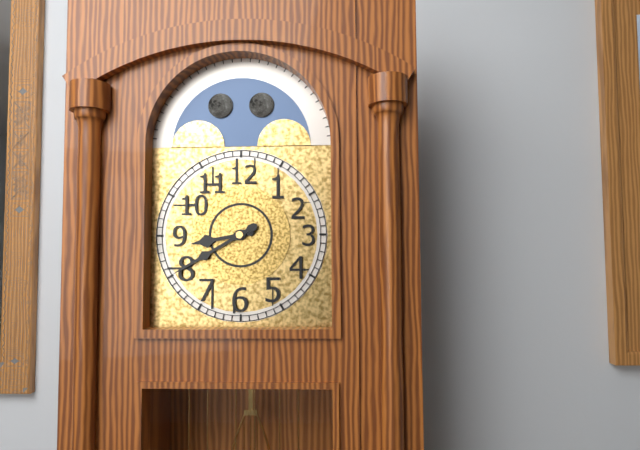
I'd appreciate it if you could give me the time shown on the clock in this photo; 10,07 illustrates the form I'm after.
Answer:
8,40
